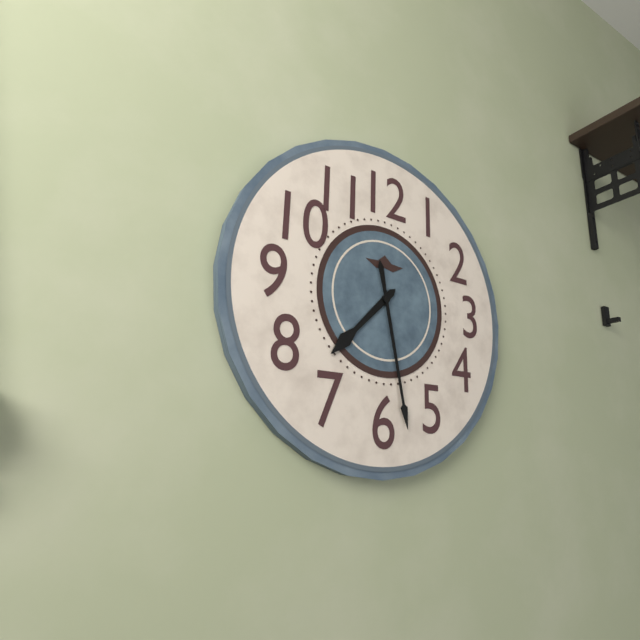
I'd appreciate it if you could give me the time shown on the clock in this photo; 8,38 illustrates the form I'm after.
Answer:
7,28
